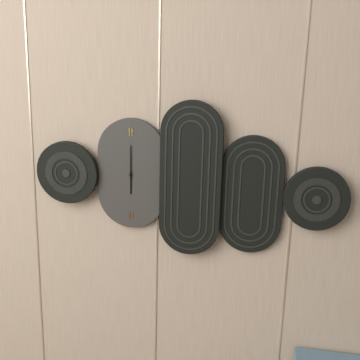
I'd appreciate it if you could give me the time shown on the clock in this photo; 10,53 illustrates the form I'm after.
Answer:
6,00
